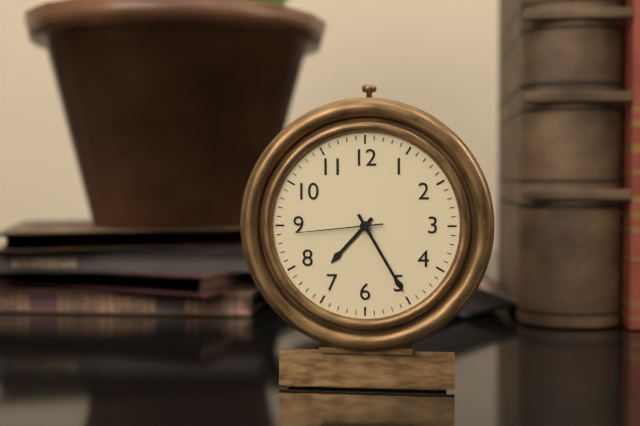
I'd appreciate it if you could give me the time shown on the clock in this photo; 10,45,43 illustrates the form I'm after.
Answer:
7,25,44
